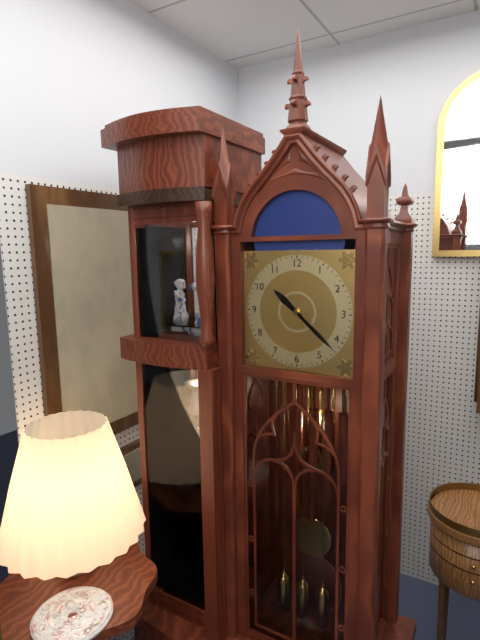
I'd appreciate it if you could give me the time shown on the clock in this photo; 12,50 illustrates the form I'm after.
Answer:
10,22
